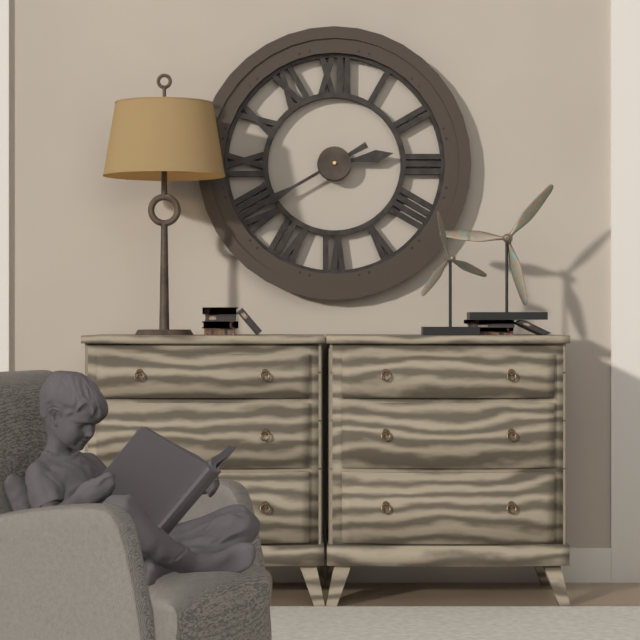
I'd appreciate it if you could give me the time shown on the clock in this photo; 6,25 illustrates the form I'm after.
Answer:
2,40
